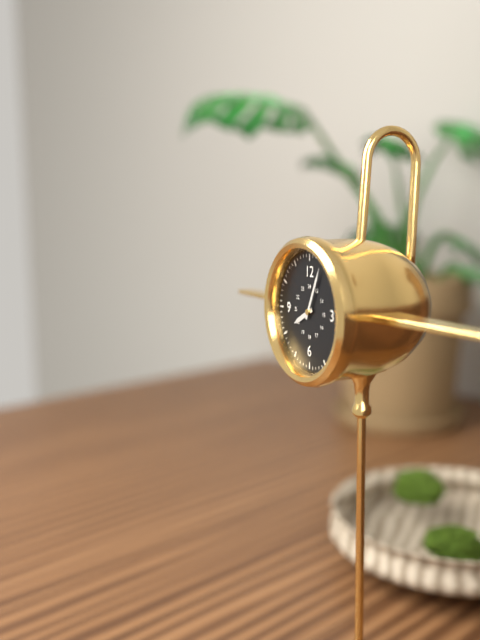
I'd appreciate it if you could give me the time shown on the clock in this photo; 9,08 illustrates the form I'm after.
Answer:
8,04
